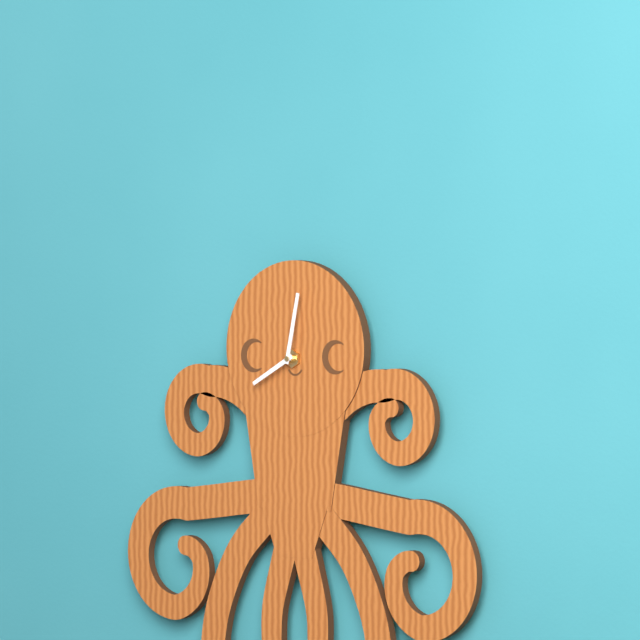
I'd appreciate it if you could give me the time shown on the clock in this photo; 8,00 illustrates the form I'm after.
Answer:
8,02
